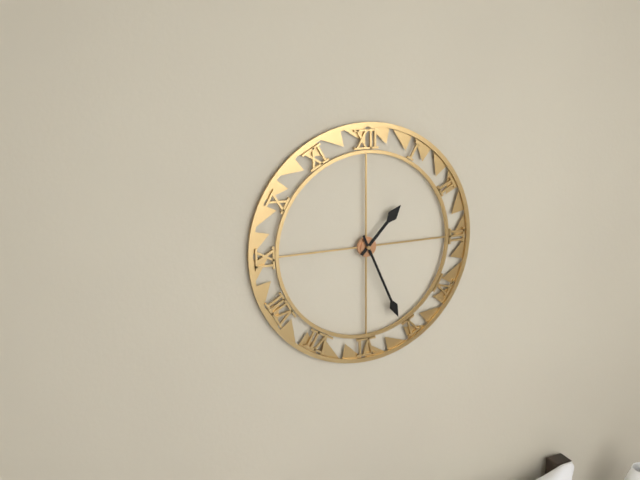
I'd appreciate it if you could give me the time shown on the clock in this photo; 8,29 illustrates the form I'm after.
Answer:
1,26
